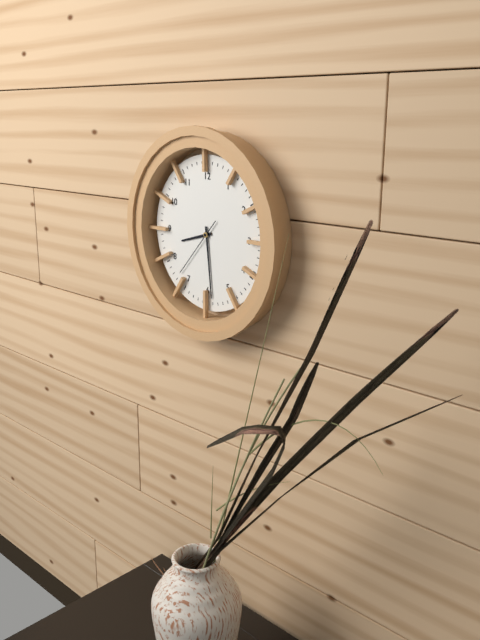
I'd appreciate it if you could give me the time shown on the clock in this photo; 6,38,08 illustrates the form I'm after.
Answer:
8,29,37
